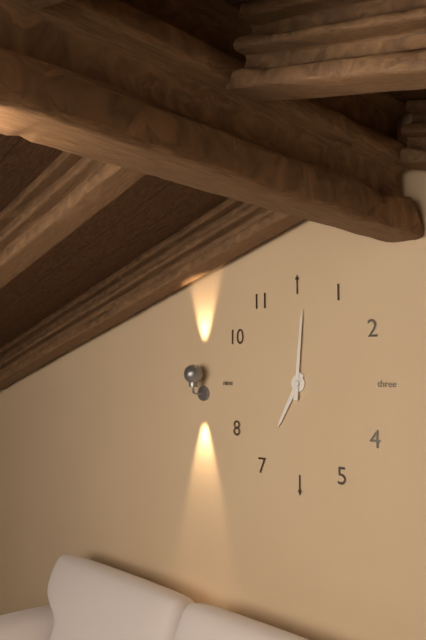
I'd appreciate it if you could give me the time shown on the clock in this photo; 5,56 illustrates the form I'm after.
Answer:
7,01
